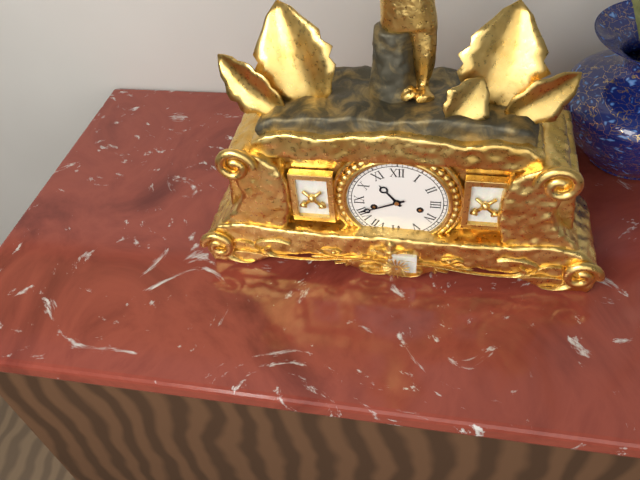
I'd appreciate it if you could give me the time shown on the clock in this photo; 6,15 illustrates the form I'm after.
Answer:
10,41
